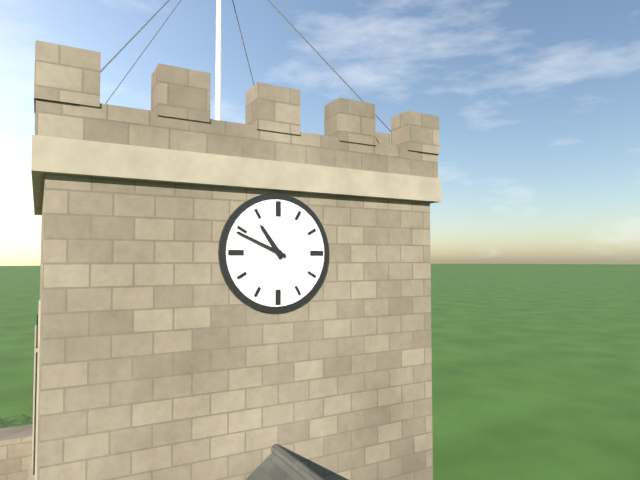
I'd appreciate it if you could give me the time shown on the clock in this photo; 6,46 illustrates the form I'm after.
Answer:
10,49
